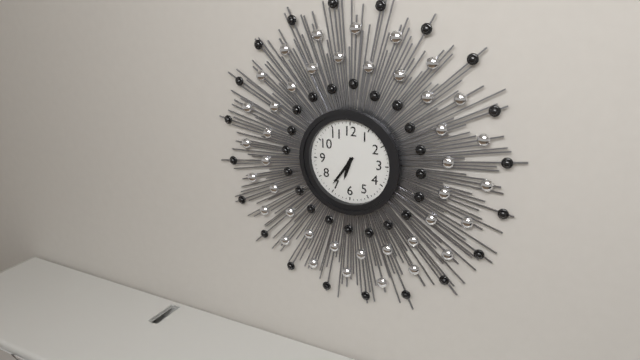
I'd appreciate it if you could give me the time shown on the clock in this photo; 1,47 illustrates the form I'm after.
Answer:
6,36
